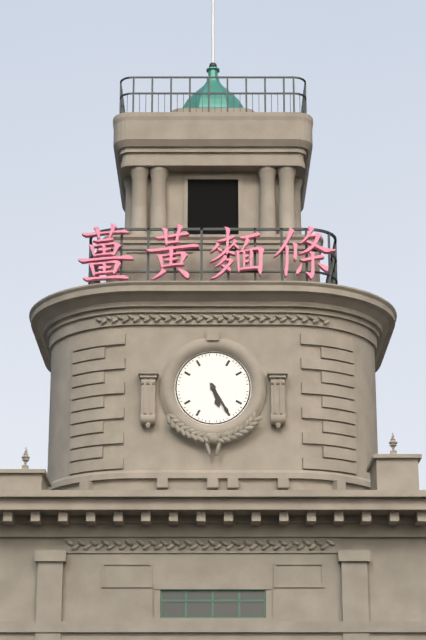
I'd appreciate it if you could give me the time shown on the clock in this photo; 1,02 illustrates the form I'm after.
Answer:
5,25
